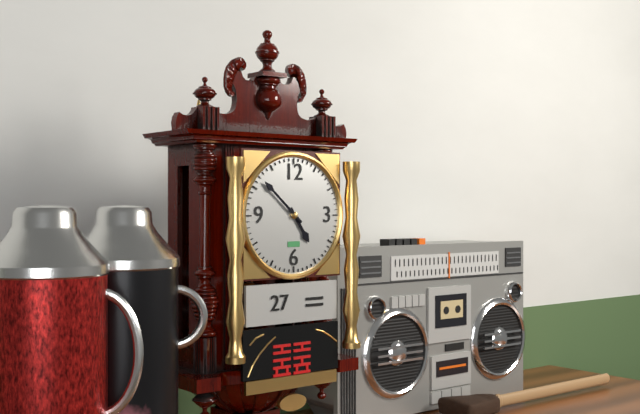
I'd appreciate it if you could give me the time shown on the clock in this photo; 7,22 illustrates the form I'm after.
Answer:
4,52
